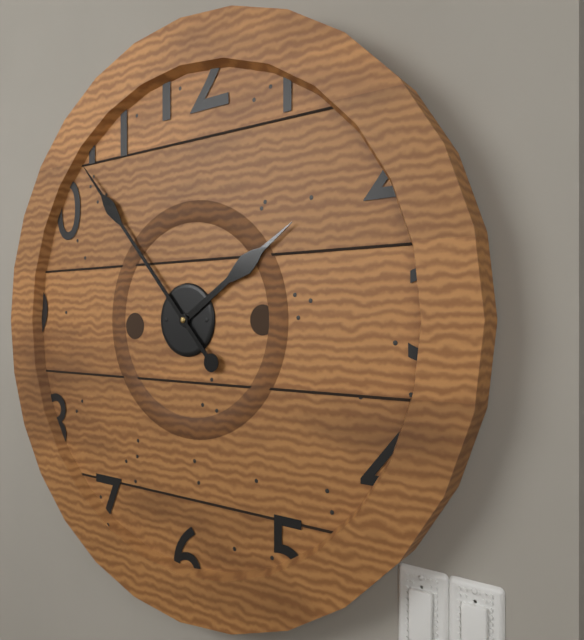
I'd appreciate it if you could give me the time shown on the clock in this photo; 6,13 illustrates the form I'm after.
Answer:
1,53
